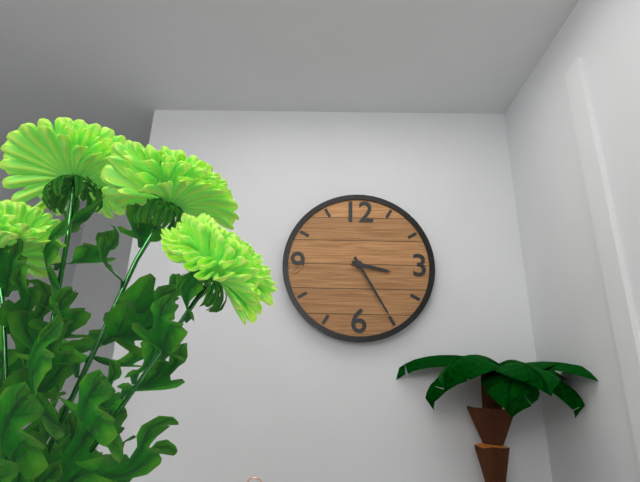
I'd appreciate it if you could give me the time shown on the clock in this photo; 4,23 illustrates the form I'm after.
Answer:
3,25
